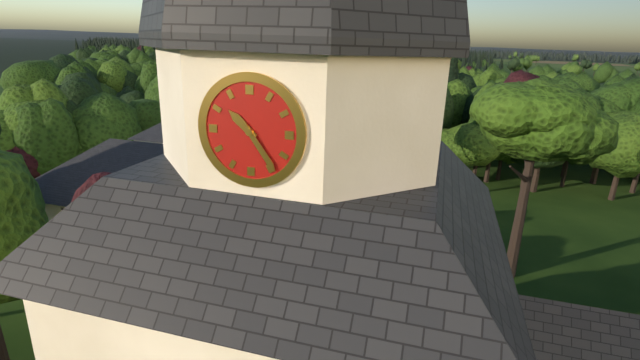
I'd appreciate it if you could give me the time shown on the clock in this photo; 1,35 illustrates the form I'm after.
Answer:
10,24
